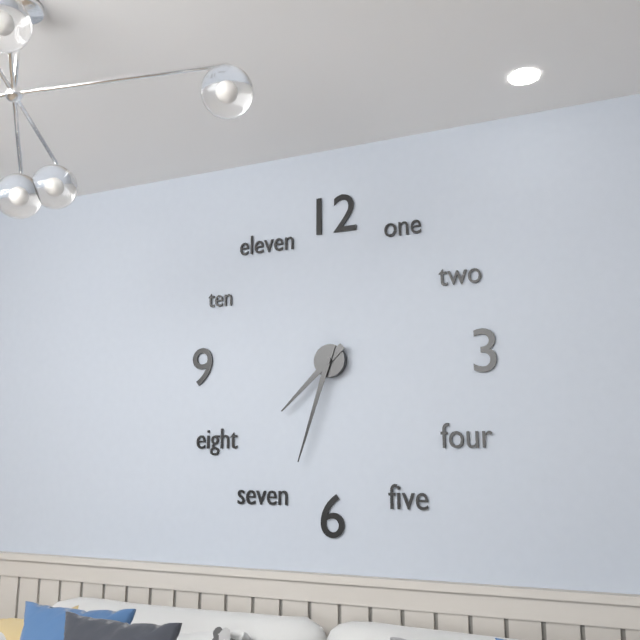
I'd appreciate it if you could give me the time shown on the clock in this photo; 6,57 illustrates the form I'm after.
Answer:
7,33
